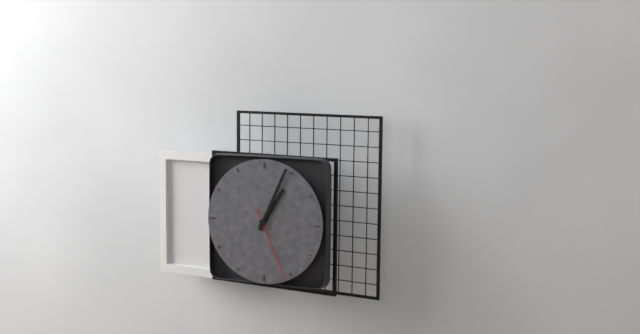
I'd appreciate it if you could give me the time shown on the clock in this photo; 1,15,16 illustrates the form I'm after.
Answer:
1,04,26
